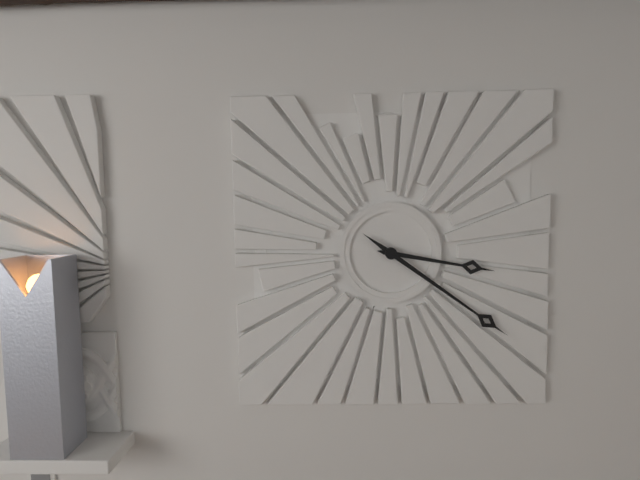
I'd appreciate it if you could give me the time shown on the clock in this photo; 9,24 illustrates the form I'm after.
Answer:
3,21
